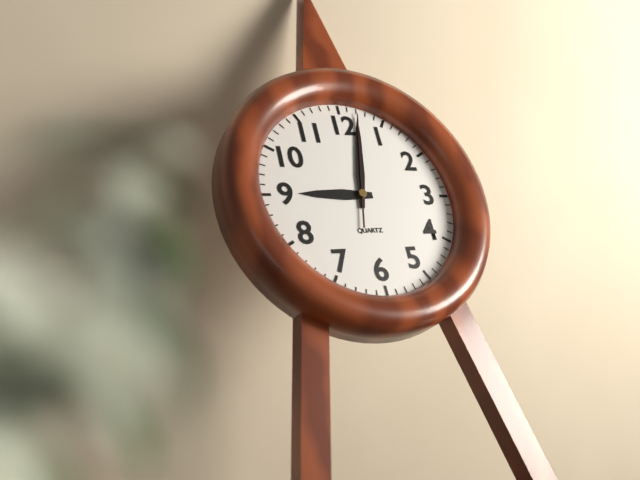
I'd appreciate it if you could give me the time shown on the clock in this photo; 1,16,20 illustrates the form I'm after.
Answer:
9,02,02
